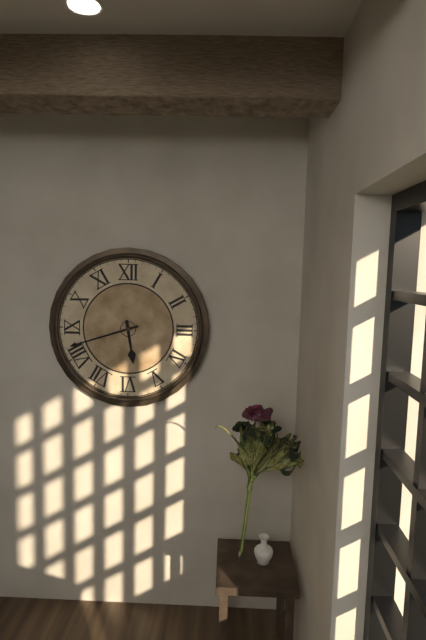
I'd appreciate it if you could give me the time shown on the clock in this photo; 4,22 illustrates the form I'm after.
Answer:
5,42
